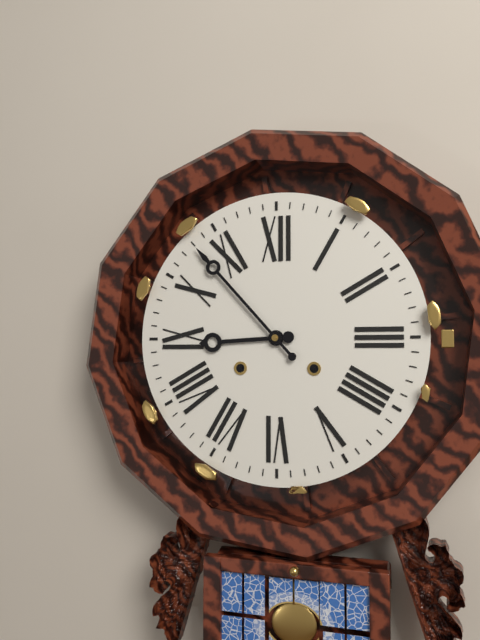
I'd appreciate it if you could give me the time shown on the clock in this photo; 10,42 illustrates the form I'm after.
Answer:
8,53
